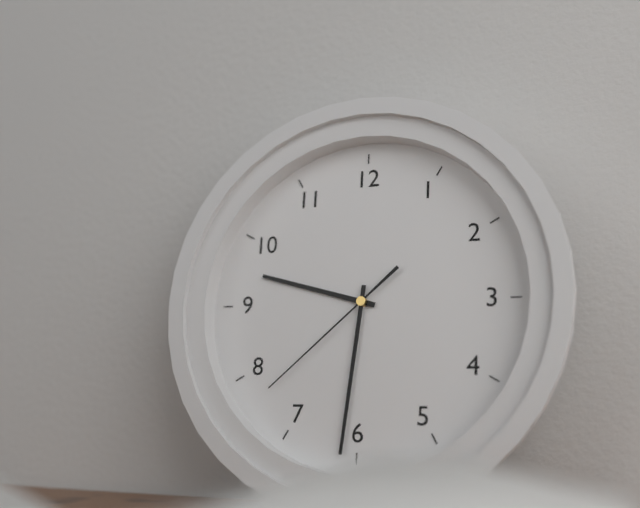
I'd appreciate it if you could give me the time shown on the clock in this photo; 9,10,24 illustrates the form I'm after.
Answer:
9,31,38
